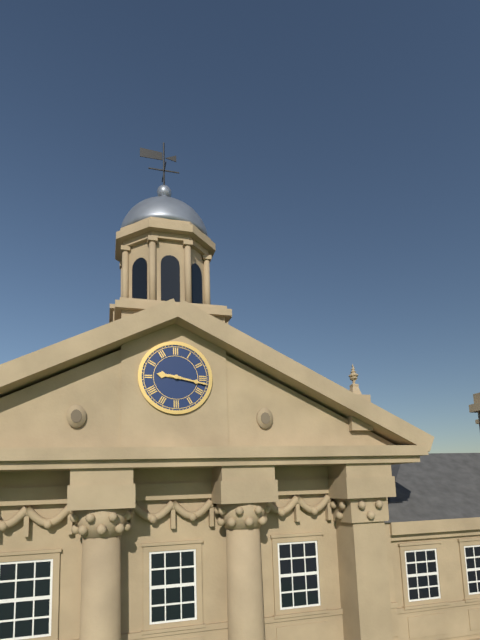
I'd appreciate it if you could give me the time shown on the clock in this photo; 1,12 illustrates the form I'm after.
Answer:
9,17
